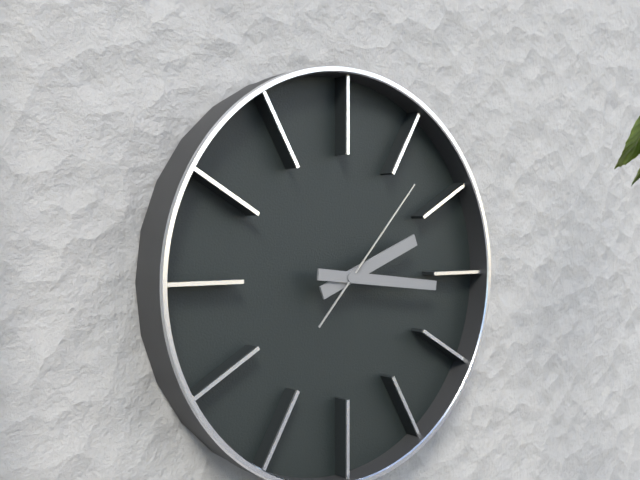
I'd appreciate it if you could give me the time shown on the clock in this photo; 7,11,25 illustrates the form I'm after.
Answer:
2,16,07
